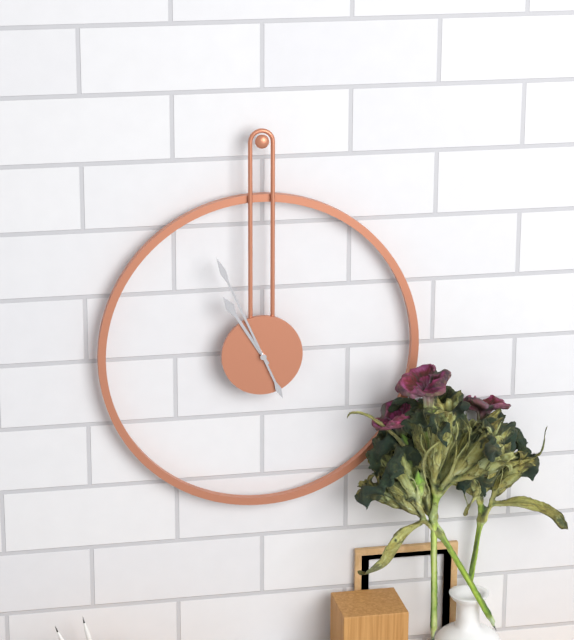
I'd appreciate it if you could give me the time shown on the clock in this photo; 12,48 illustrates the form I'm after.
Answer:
10,56
